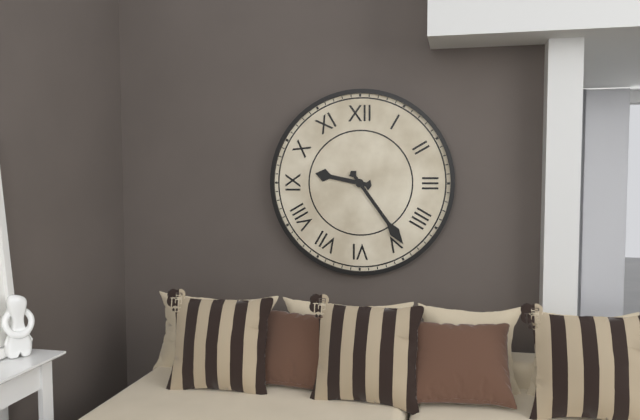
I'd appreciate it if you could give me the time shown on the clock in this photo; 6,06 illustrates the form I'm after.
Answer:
9,24
